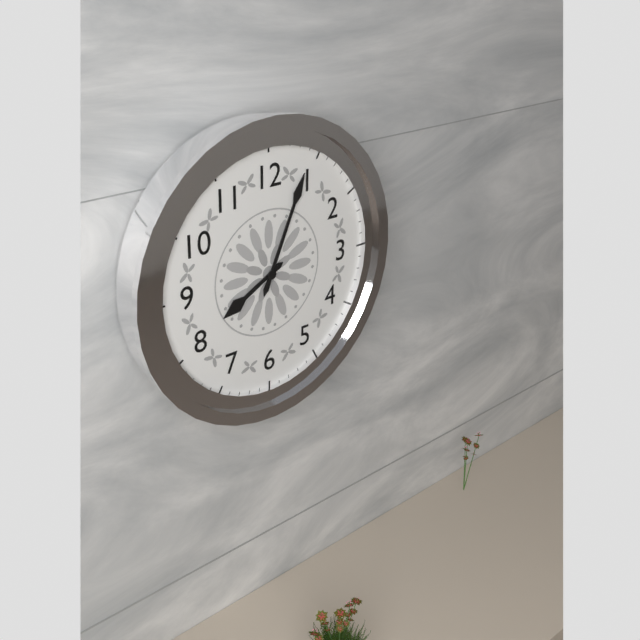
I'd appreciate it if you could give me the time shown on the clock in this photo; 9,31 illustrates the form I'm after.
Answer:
8,04
